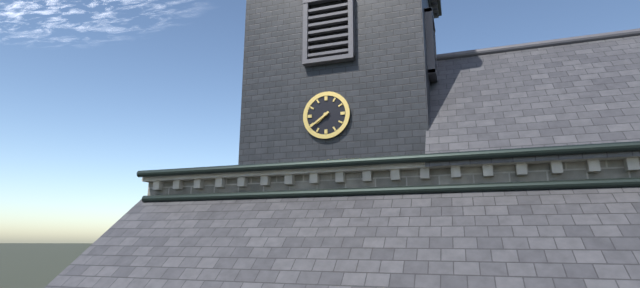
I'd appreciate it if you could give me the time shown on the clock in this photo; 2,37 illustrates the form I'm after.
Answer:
7,39
